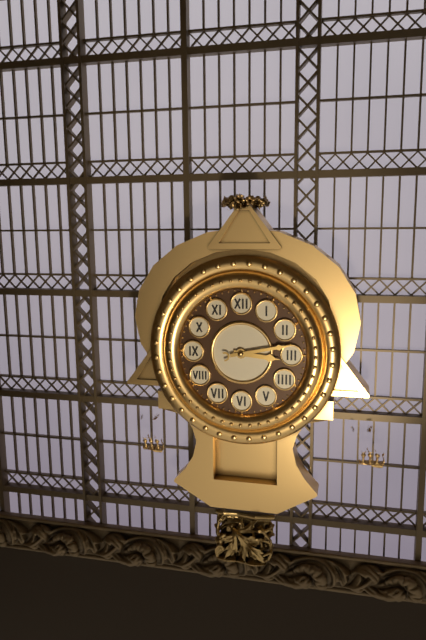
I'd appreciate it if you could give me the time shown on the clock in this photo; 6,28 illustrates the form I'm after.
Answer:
3,13
